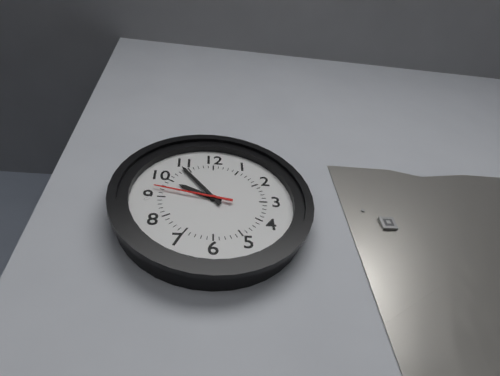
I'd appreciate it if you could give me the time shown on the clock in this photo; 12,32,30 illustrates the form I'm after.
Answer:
9,54,47
